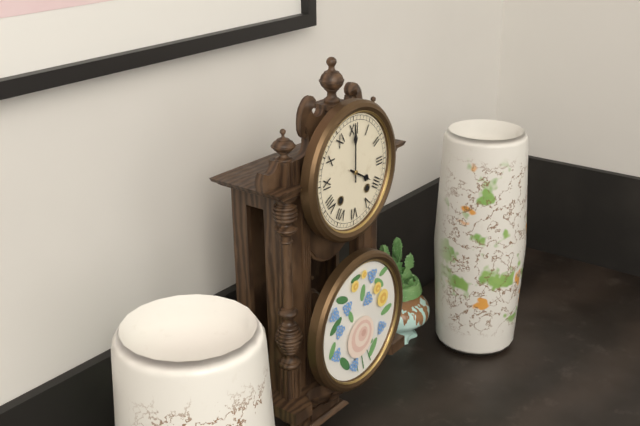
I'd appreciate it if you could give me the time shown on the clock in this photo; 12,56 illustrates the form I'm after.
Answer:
4,00
